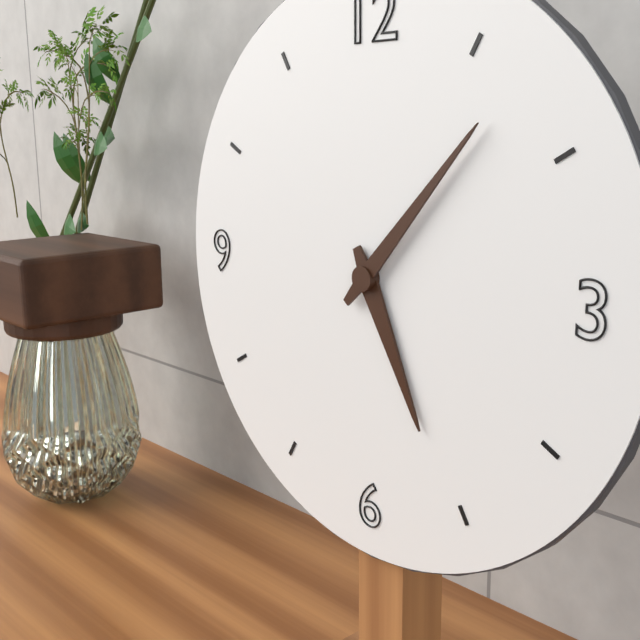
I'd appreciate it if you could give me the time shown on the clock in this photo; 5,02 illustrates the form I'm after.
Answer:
5,07
